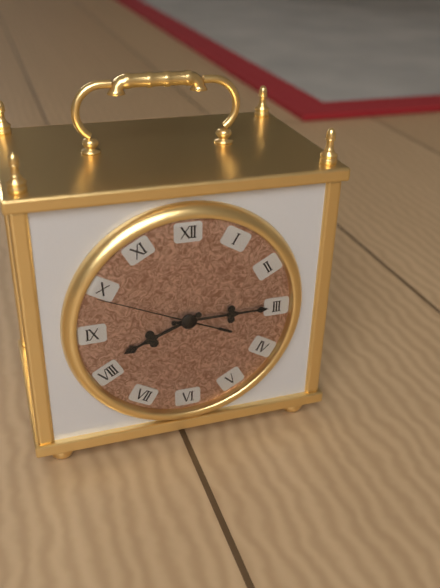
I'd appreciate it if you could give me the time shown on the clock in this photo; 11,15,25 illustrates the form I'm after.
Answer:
8,15,49
